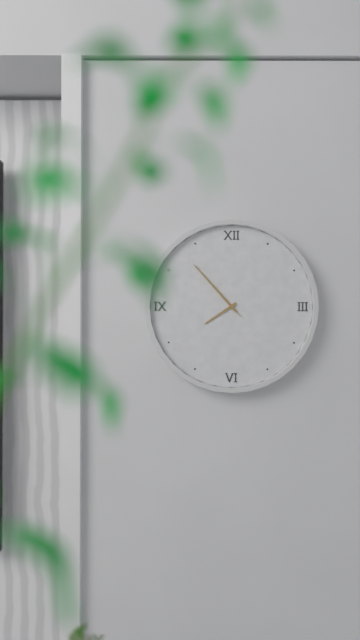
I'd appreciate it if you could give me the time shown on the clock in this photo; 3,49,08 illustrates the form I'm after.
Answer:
7,53,53
